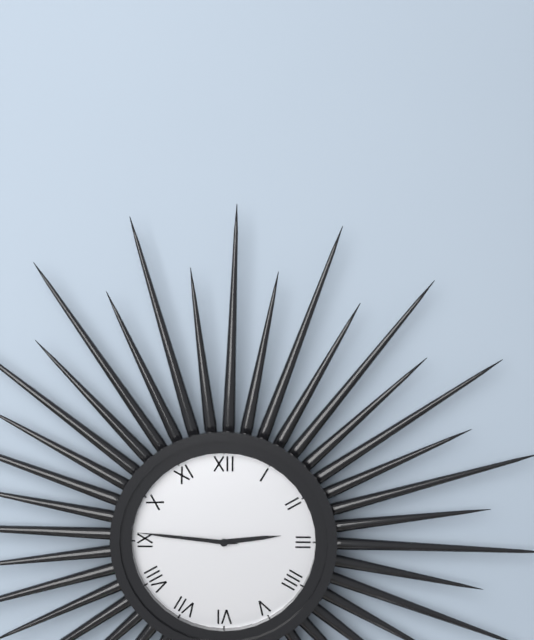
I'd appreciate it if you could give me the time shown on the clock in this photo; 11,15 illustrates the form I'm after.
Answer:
2,46
